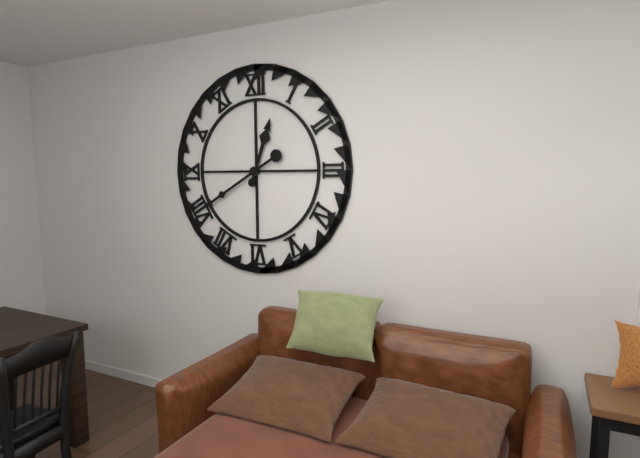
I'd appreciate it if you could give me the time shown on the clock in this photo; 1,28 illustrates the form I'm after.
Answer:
12,40
